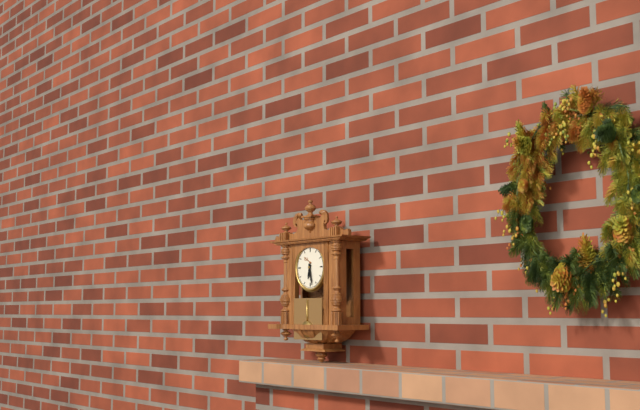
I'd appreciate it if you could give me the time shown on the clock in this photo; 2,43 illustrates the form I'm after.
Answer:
6,28
